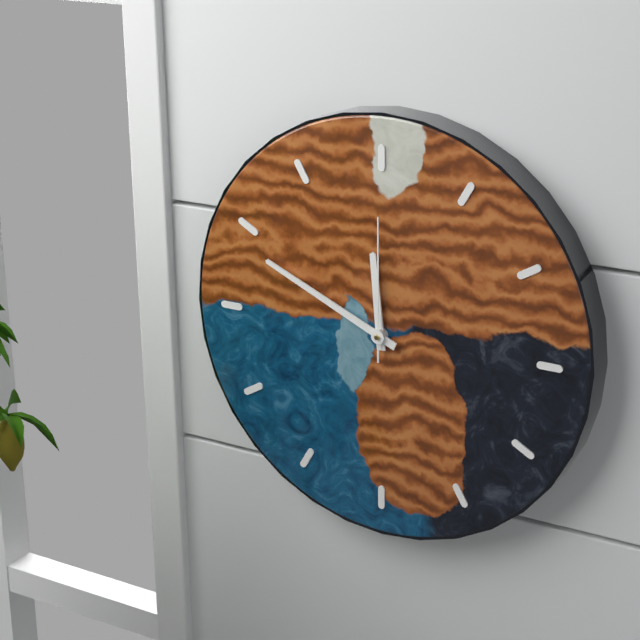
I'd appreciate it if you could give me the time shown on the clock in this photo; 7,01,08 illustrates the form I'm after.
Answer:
11,49,00
